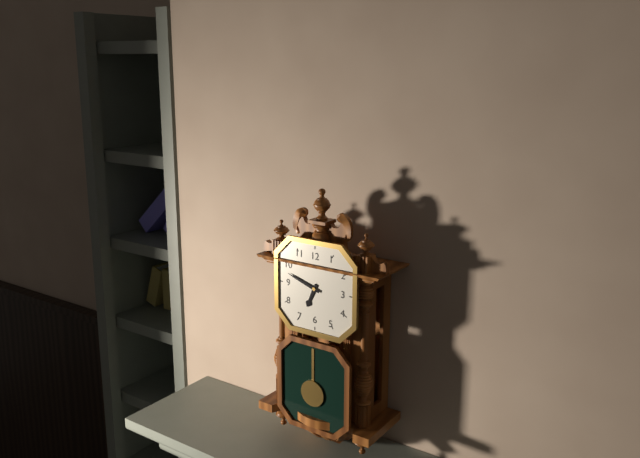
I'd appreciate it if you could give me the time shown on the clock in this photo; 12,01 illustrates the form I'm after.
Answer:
6,48
